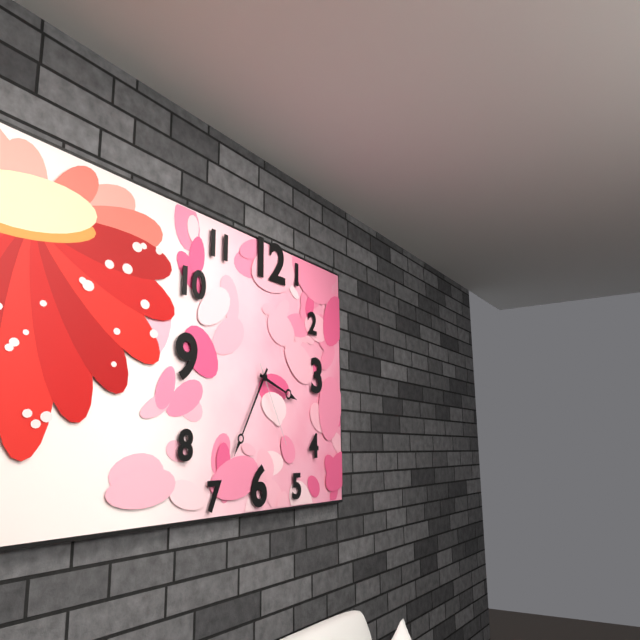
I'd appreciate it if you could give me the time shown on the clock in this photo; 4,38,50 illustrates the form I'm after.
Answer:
3,35,25
